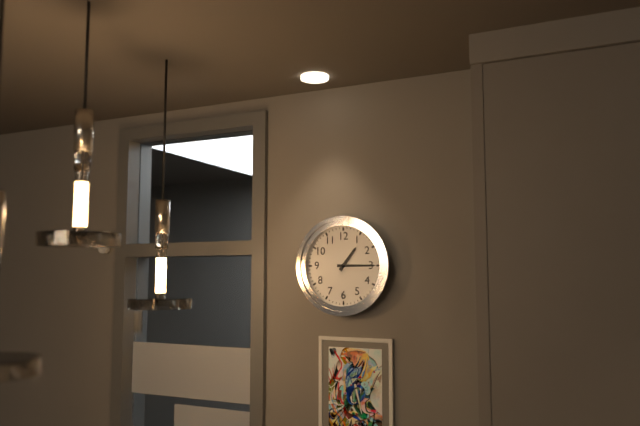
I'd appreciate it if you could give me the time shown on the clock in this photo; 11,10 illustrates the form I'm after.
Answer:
1,15
